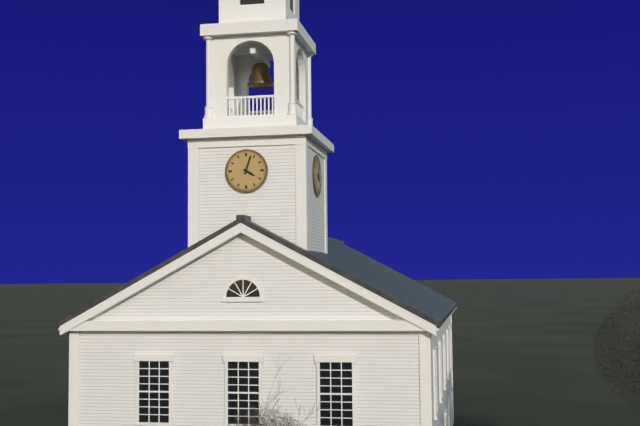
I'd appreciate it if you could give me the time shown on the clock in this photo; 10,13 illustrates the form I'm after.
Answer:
4,03
